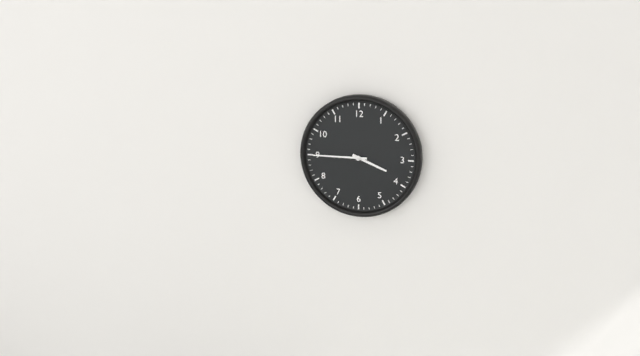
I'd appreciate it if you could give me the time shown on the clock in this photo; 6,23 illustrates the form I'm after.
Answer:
3,45
